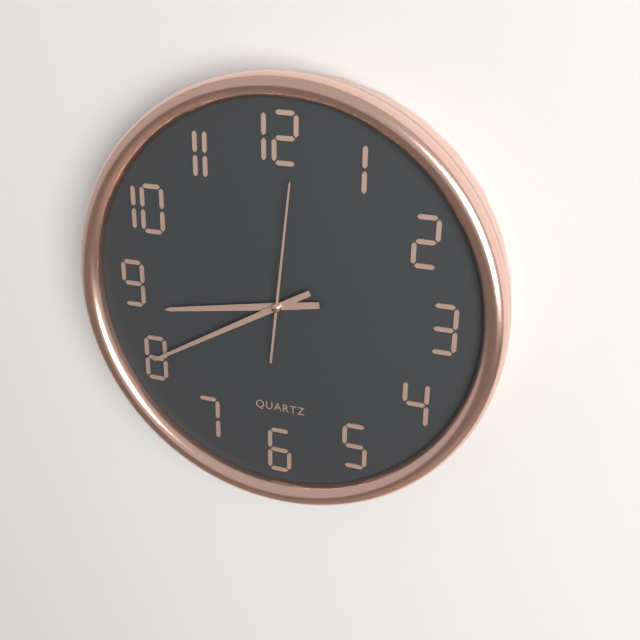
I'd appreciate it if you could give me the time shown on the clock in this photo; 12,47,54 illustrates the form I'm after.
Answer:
8,40,01
